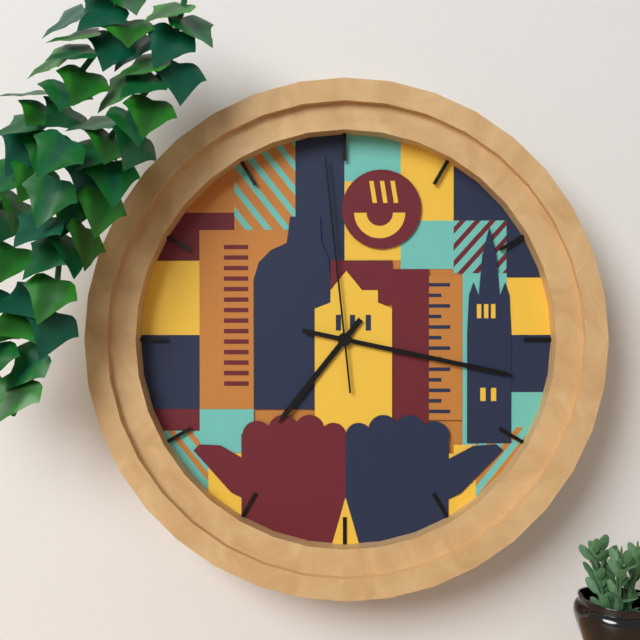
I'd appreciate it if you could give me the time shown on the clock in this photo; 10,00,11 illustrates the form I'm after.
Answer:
7,17,59
